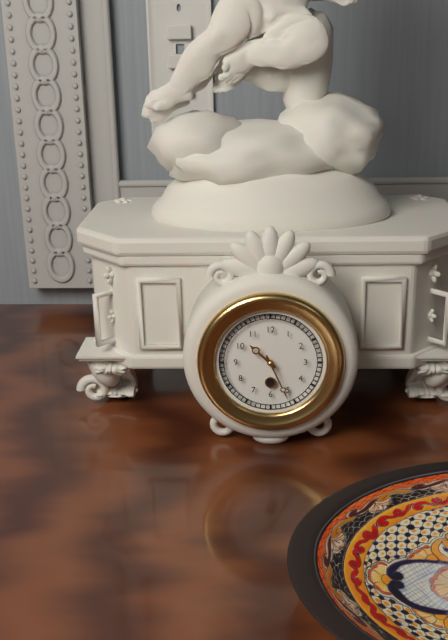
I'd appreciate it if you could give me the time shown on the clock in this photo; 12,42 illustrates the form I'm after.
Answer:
10,26
